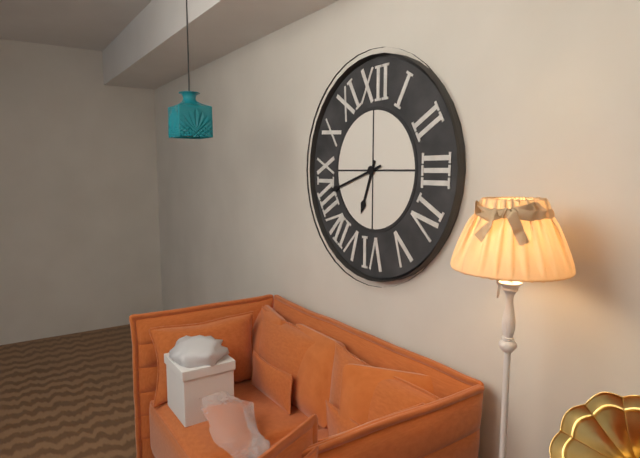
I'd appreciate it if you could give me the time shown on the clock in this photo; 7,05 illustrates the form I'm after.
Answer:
6,42
